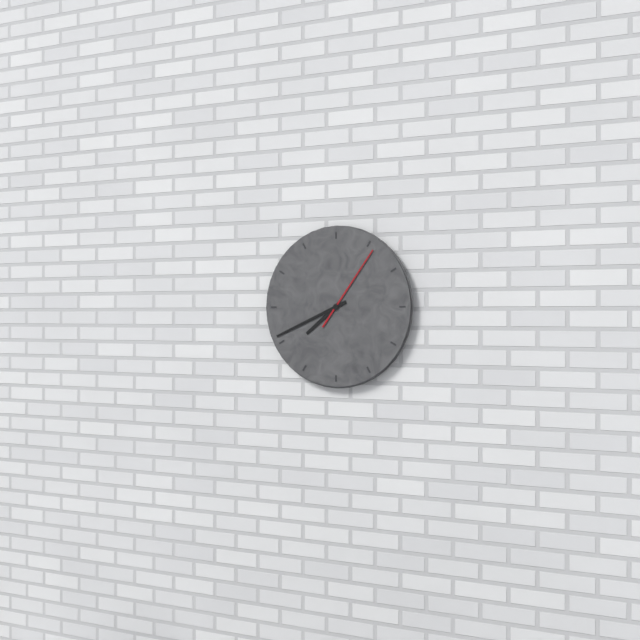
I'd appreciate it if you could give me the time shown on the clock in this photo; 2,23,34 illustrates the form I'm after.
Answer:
7,41,06
